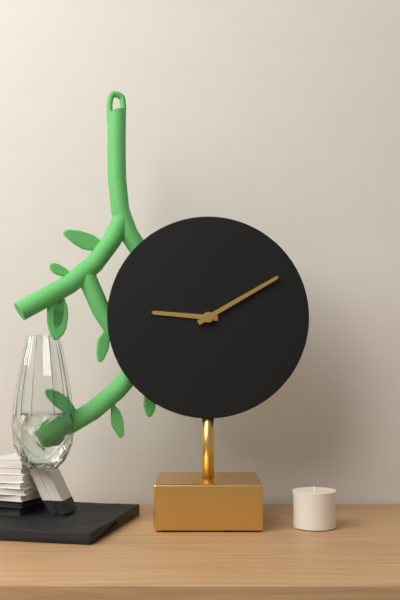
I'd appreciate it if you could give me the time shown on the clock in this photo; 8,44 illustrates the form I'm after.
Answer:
9,10
